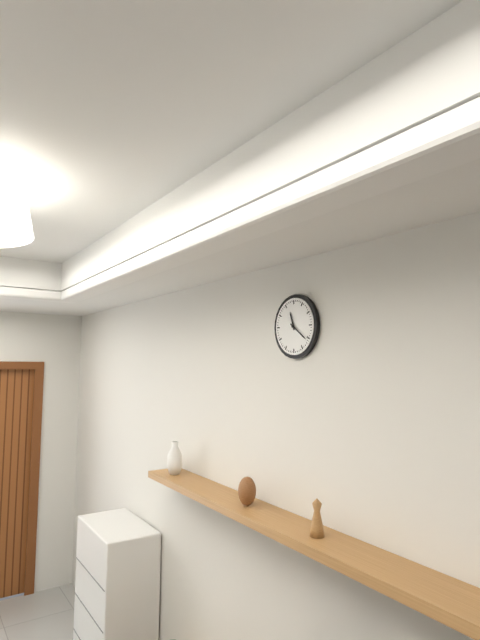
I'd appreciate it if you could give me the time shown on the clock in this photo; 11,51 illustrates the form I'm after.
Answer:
11,21
